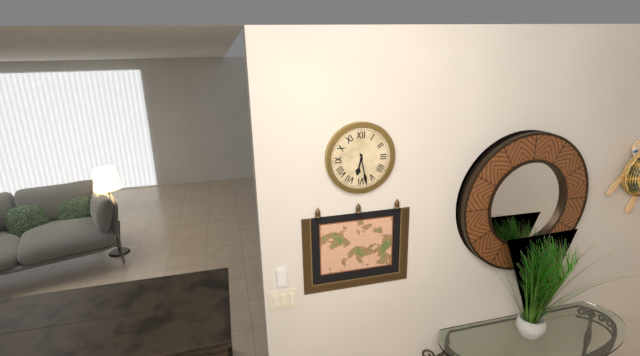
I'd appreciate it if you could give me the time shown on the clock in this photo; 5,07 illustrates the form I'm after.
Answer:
6,28
